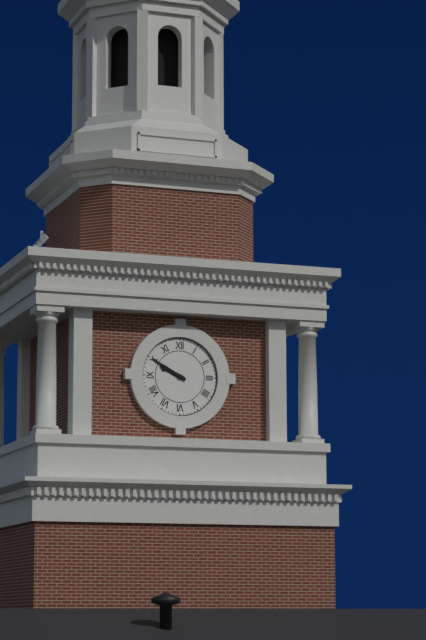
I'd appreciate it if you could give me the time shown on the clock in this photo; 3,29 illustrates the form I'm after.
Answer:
9,50
